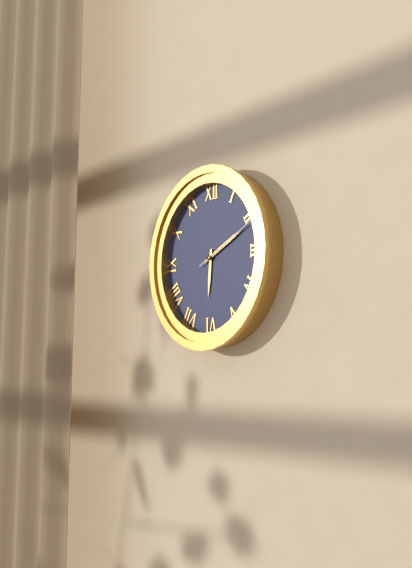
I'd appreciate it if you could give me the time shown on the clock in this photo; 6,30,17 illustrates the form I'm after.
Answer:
6,11,11
